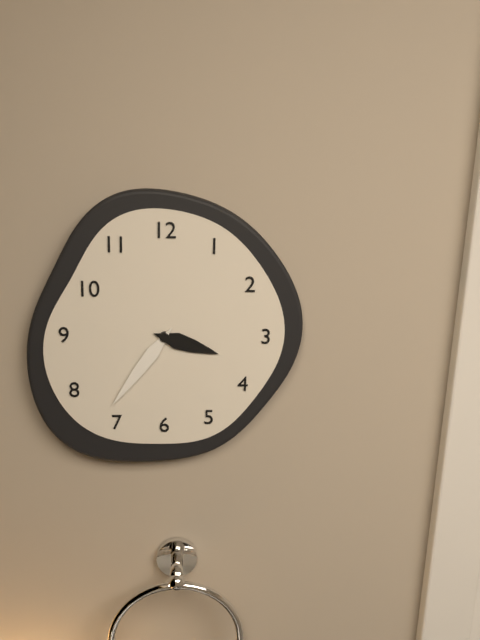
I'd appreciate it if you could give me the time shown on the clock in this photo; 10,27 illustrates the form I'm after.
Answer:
3,36
